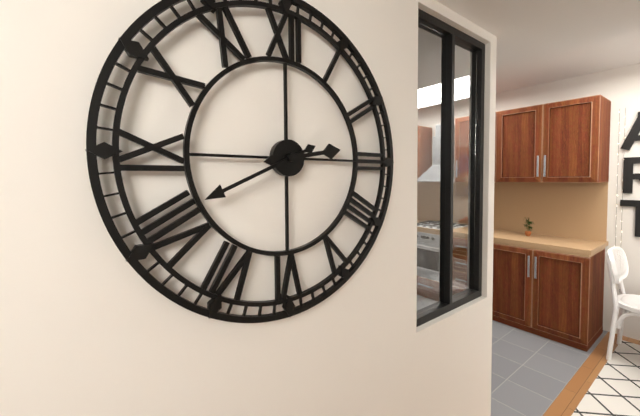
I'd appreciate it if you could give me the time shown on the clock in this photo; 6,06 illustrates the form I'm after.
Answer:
2,41
